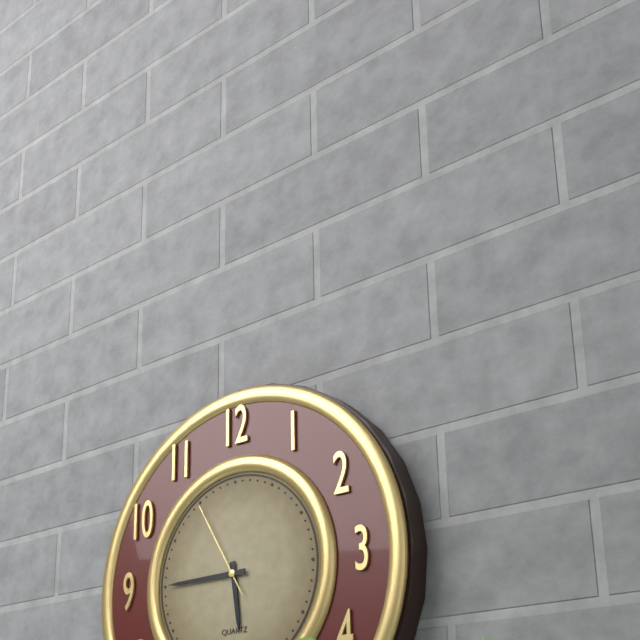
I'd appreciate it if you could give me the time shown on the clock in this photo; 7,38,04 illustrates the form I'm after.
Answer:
5,45,55
